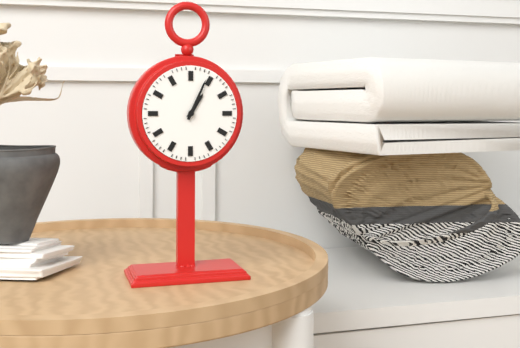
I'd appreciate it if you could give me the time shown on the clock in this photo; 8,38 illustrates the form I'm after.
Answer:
1,04
